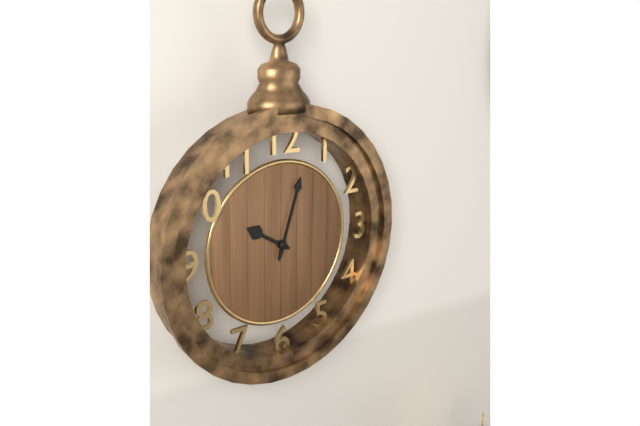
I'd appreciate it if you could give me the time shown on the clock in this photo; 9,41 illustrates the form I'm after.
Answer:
10,03
